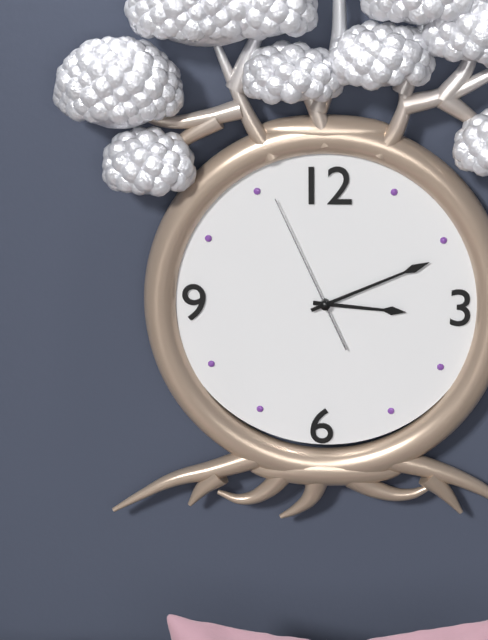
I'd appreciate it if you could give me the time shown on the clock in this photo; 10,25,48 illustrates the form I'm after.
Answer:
3,11,56
